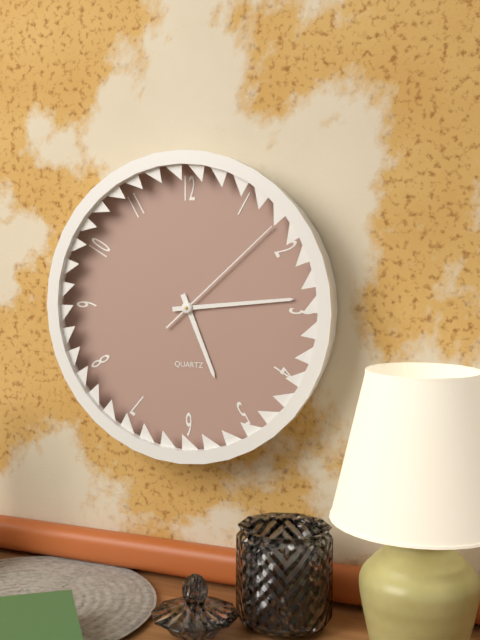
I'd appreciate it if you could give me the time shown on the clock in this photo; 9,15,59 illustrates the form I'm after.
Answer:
5,14,08
